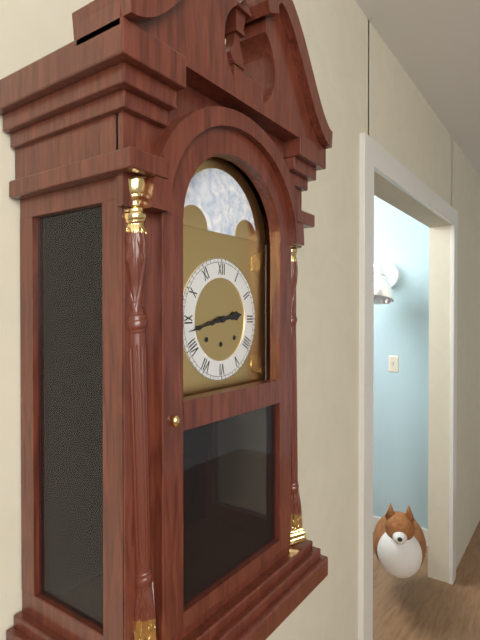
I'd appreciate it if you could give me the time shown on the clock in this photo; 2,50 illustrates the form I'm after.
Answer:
2,43
